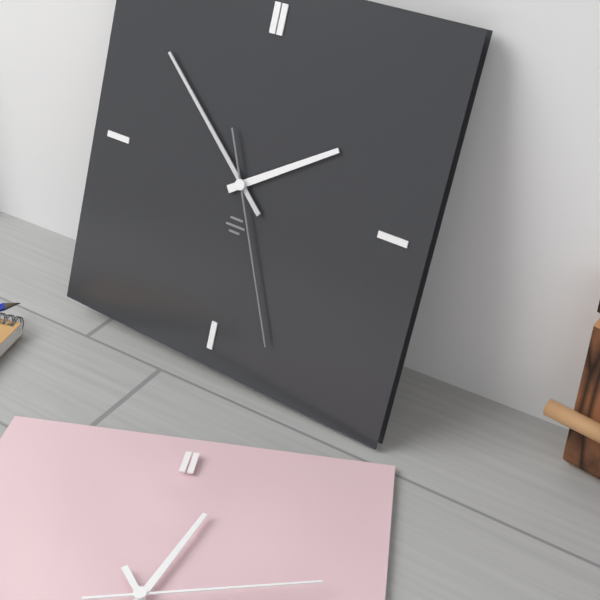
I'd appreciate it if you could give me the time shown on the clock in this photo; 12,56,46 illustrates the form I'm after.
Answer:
1,52,26
